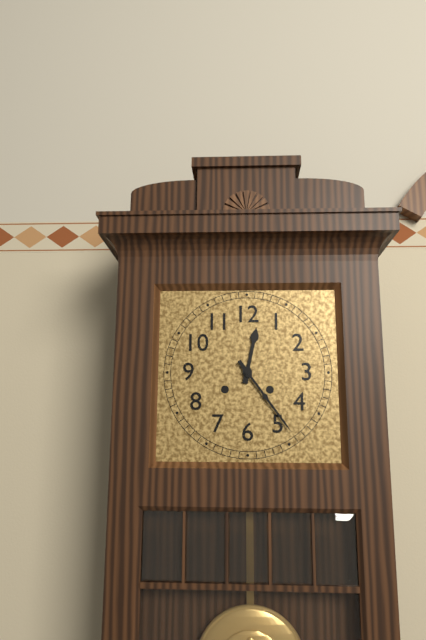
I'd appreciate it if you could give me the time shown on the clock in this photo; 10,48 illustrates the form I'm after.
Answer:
12,24
